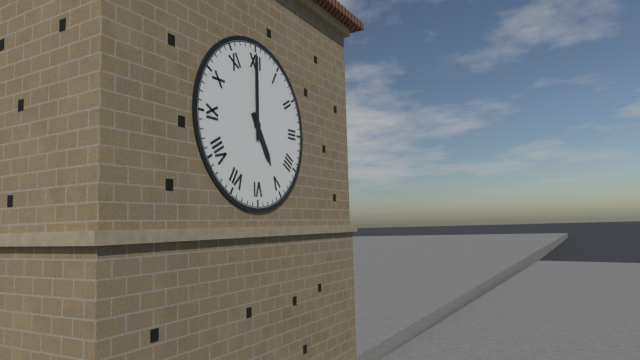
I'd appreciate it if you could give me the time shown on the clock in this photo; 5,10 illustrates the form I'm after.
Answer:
5,00
